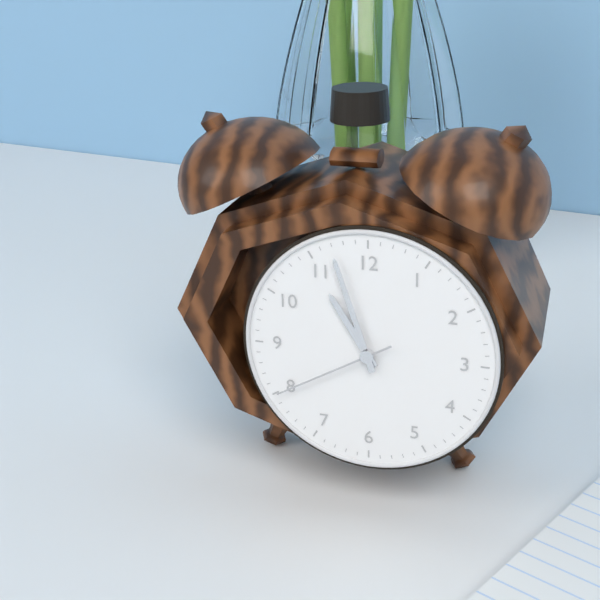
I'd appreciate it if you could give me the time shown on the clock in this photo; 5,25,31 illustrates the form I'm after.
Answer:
10,57,40
